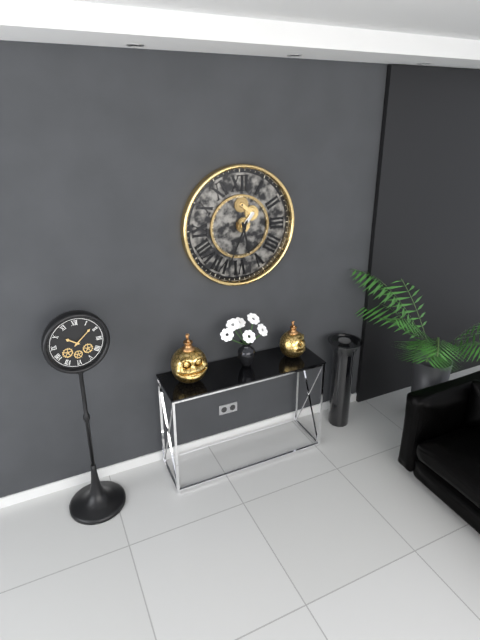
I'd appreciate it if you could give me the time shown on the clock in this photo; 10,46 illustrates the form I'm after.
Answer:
5,34
